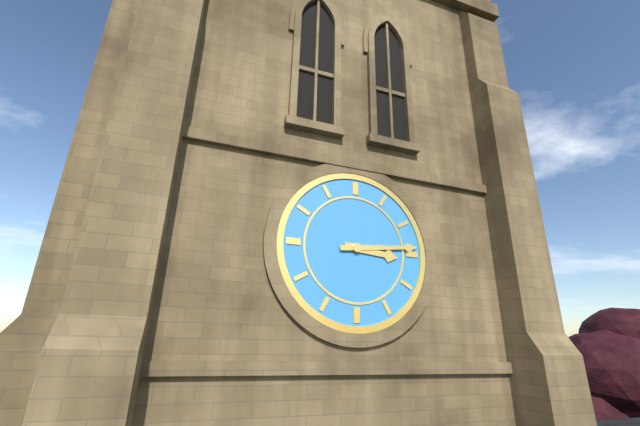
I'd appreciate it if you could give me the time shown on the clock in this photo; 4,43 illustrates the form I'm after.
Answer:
3,14
